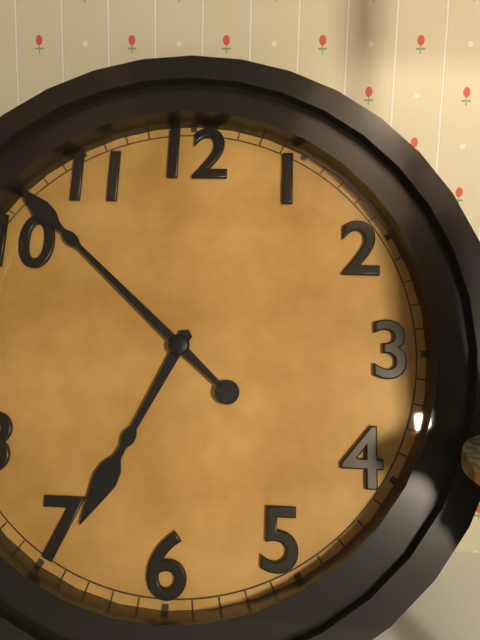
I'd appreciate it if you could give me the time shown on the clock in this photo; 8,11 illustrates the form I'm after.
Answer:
6,52
